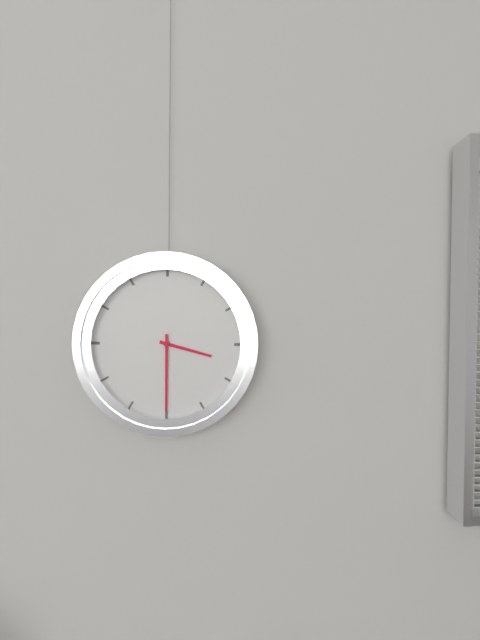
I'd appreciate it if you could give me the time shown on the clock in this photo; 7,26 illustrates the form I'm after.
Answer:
3,30
